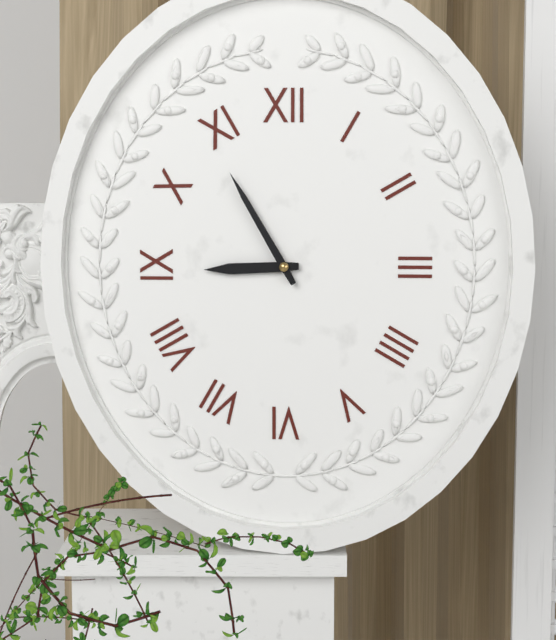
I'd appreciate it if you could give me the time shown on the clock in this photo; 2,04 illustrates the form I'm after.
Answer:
8,55
